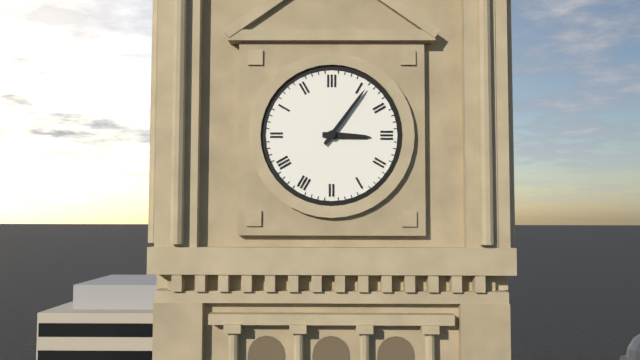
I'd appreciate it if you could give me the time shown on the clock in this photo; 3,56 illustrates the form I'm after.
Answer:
3,06
